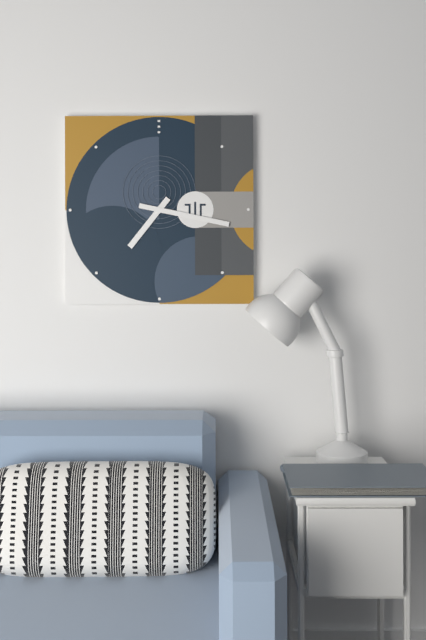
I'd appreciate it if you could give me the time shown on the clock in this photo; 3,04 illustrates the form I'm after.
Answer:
7,17
